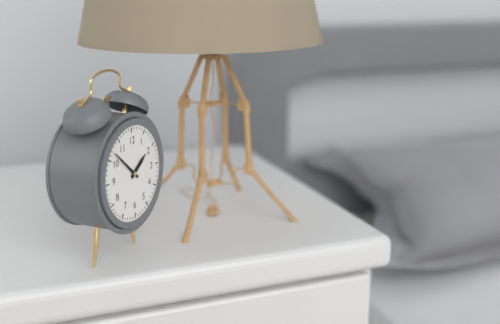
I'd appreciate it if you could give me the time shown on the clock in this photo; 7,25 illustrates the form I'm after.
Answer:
1,52
